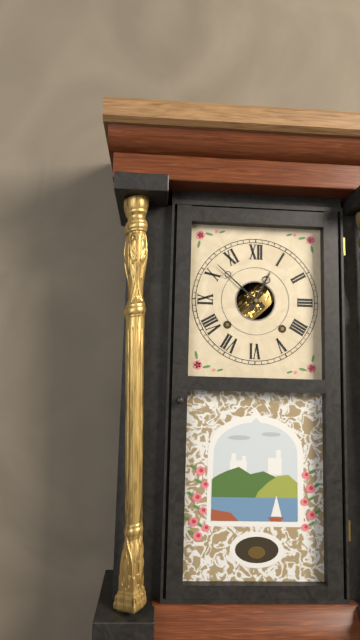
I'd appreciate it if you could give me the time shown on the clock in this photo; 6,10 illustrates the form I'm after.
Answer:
12,52
